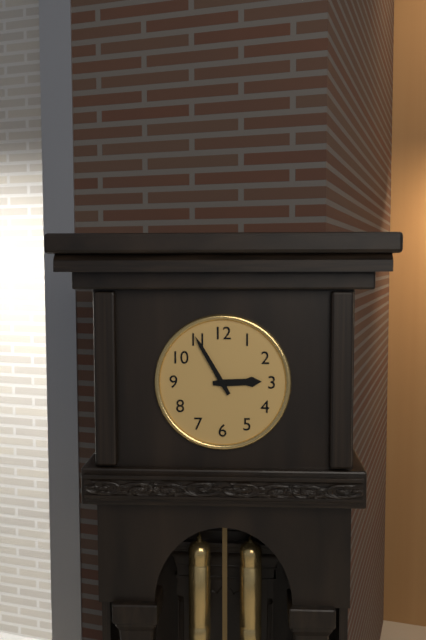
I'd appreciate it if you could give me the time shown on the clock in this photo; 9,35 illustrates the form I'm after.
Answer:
2,55
